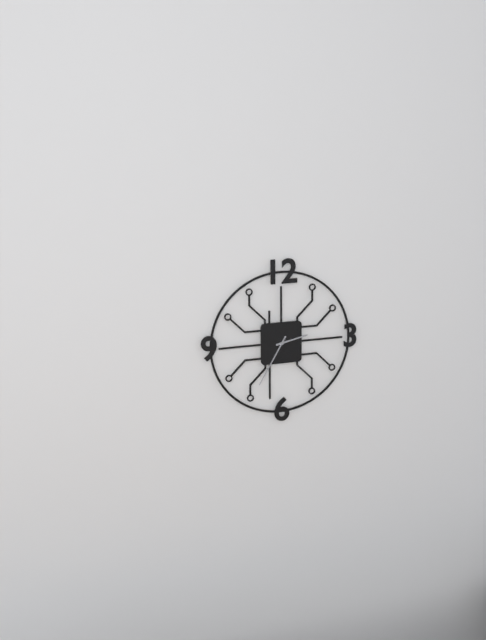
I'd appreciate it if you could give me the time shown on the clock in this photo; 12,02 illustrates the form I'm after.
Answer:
2,35
